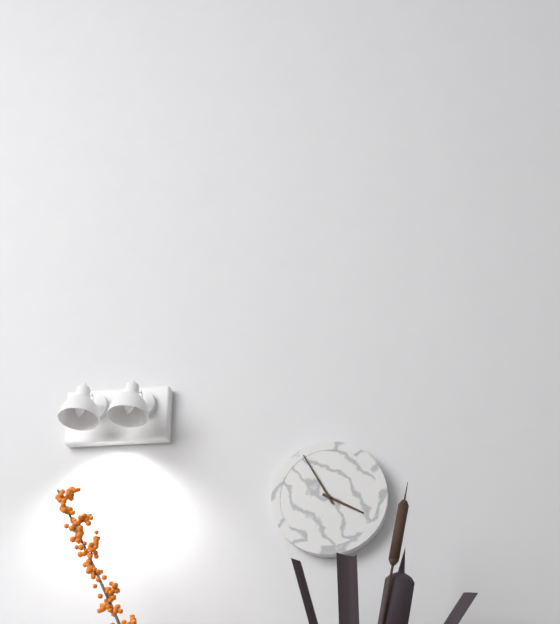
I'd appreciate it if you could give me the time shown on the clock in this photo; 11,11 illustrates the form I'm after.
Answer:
3,55
